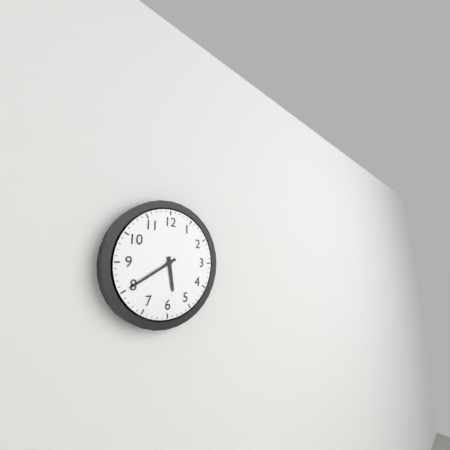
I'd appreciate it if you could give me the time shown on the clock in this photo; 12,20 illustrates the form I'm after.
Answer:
5,40
